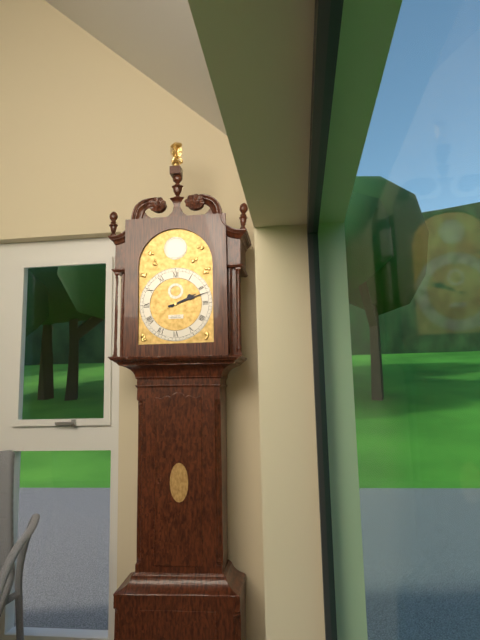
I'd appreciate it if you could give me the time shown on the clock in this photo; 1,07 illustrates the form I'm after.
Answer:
2,12
